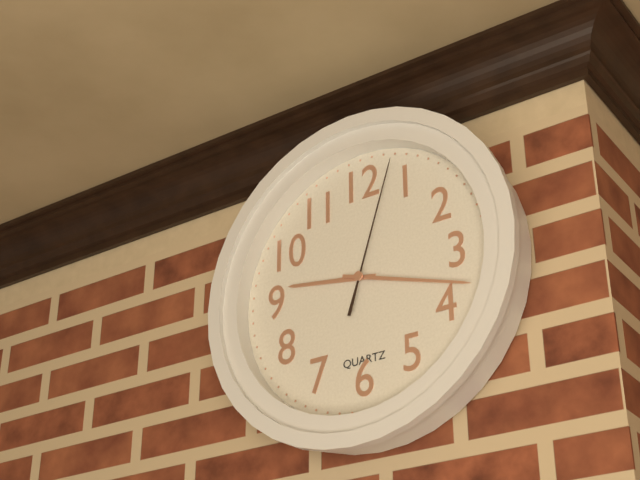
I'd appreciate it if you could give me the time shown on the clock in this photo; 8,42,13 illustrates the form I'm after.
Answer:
9,18,03
